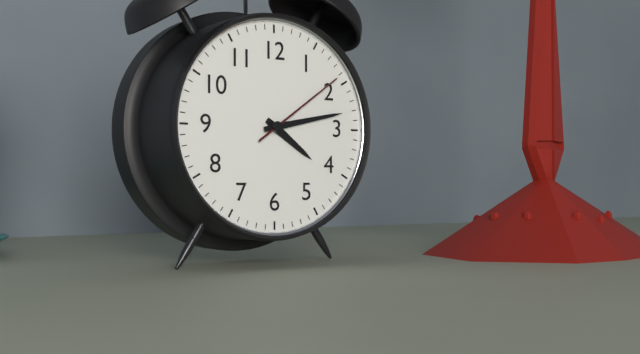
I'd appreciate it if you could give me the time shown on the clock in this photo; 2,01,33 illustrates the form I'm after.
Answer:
4,13,09
